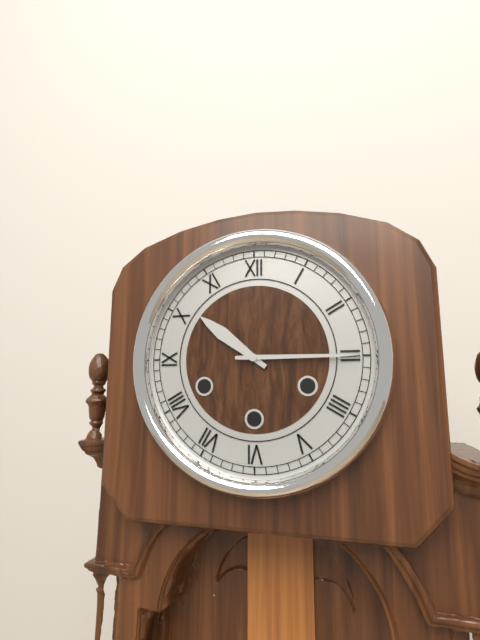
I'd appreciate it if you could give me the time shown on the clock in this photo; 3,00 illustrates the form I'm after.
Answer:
10,15
